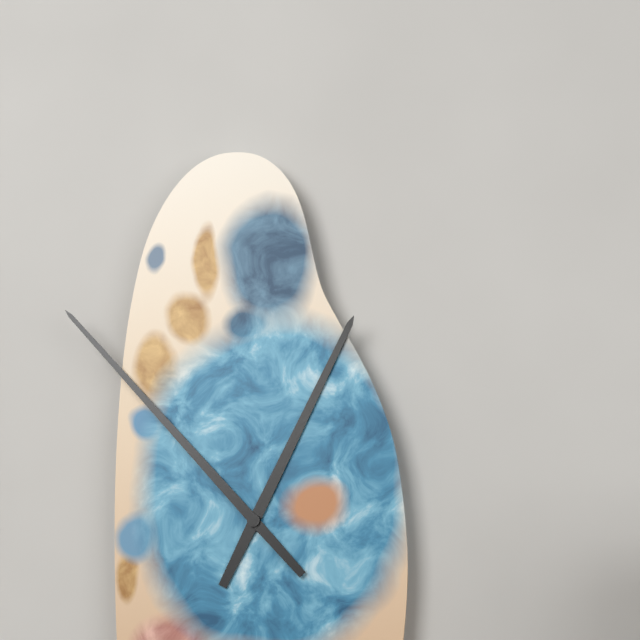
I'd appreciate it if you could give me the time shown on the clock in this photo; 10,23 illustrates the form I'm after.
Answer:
12,53
